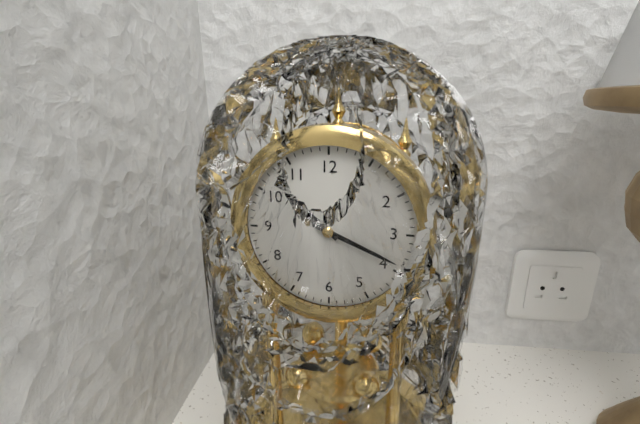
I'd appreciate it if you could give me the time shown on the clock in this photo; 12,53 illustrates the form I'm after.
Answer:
10,19
